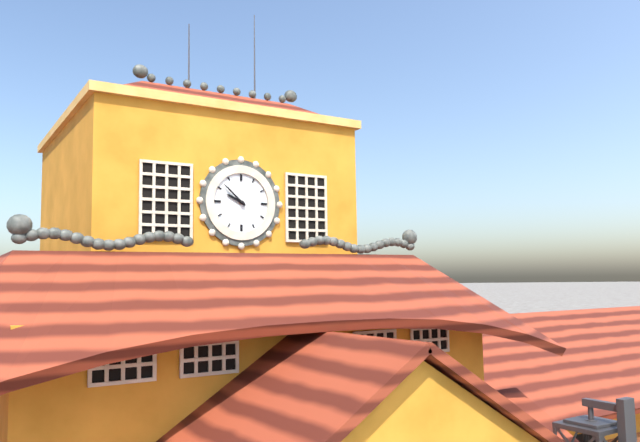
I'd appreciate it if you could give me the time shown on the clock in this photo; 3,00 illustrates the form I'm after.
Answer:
9,52
